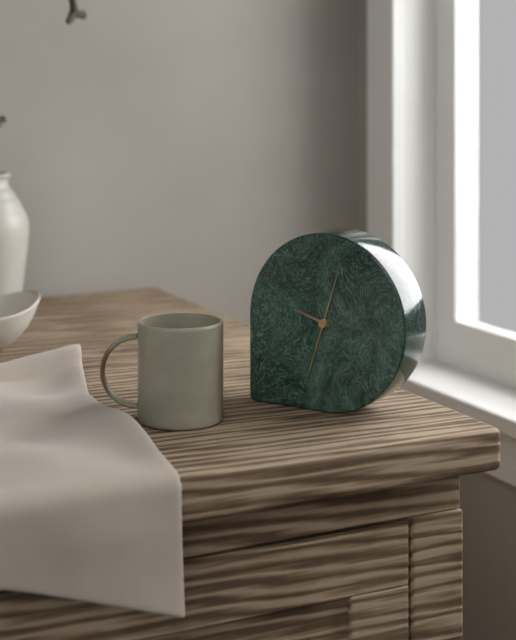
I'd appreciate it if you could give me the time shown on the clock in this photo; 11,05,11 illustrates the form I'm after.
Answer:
9,33,03
